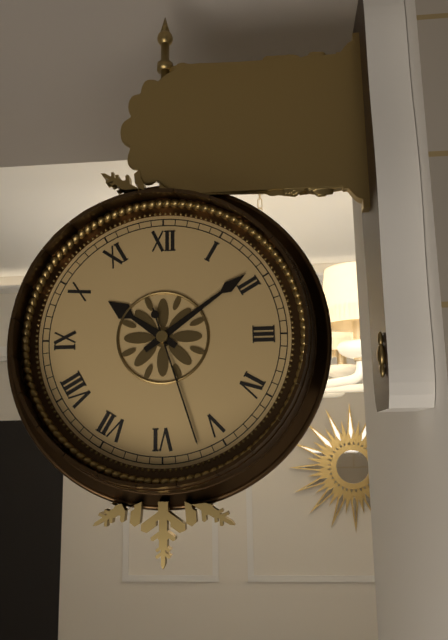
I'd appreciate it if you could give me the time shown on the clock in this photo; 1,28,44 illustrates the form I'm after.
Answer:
10,09,27
